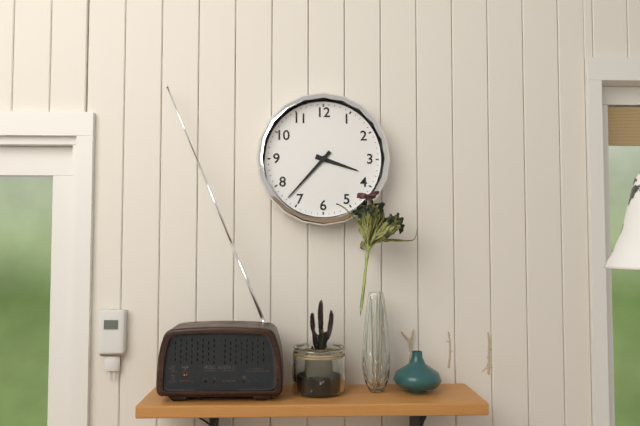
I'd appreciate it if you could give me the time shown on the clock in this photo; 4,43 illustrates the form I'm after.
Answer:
3,37
